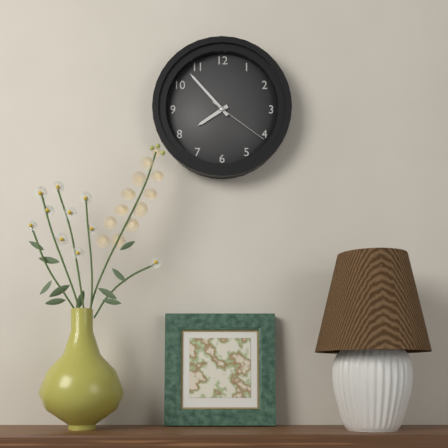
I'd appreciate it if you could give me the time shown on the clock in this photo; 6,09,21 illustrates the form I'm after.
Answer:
7,53,21
